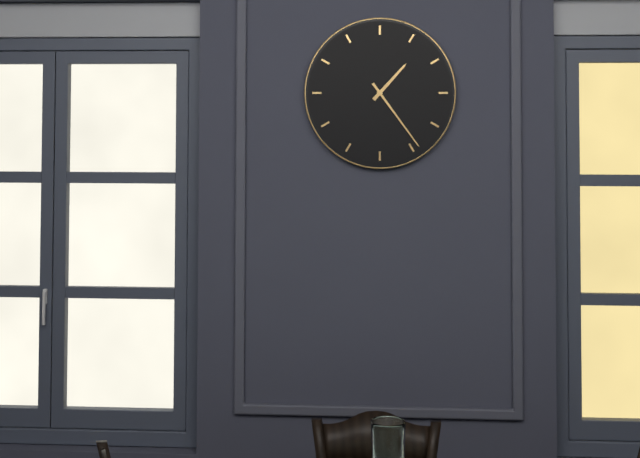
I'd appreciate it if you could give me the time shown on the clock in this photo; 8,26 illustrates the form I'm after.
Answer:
1,24
